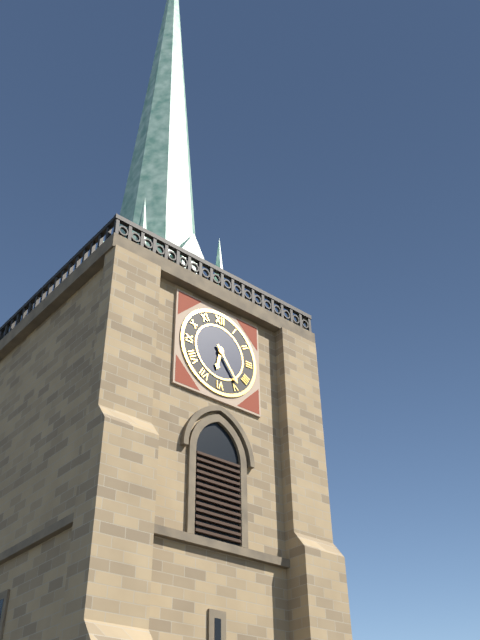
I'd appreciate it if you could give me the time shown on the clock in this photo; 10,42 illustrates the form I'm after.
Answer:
6,24
